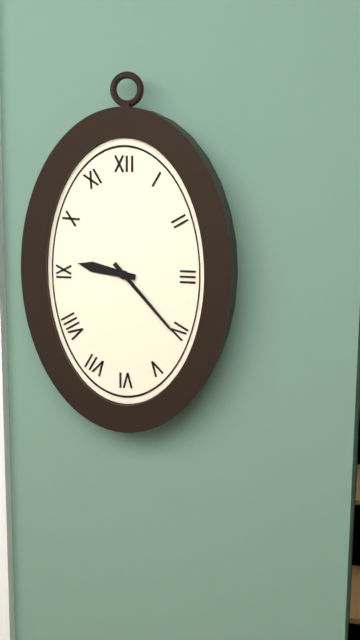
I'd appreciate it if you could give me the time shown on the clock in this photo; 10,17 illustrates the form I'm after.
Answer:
9,23
